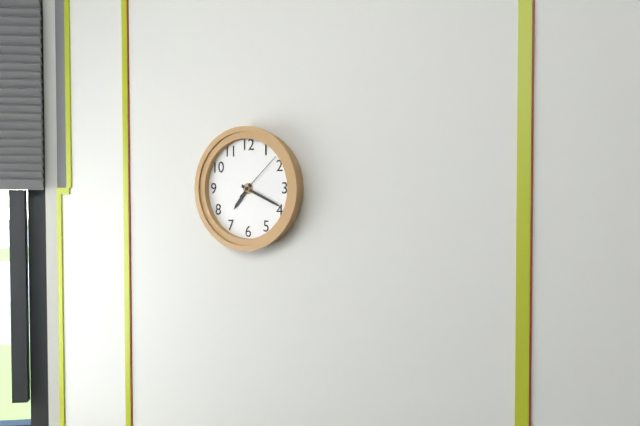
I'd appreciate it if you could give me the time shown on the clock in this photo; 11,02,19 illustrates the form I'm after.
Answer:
7,19,08
